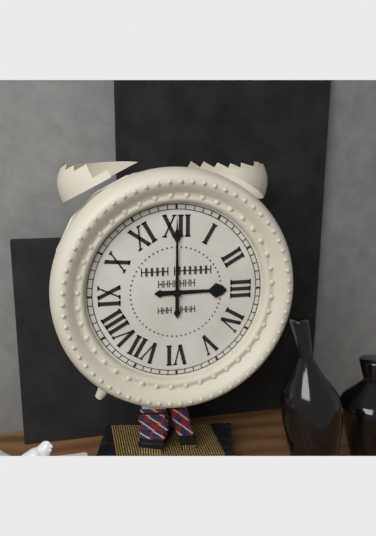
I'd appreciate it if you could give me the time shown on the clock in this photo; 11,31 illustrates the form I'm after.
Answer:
3,00
